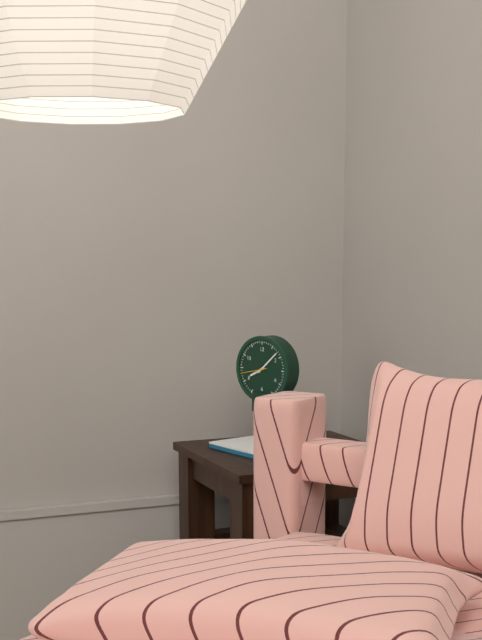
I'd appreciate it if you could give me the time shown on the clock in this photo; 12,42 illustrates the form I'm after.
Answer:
8,08
